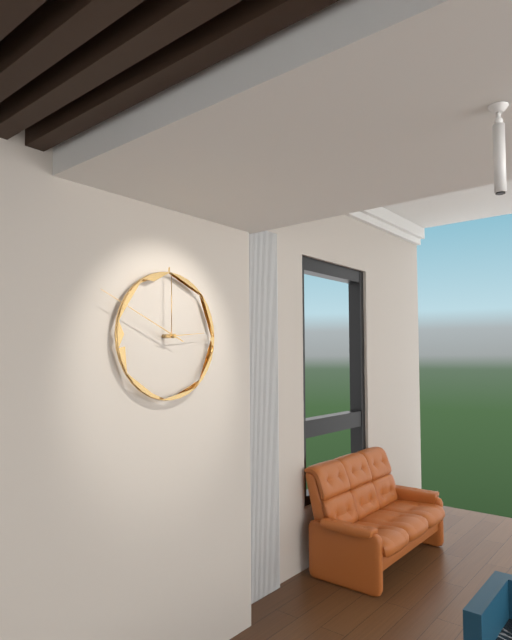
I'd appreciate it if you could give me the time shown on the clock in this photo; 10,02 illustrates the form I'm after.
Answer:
2,49
